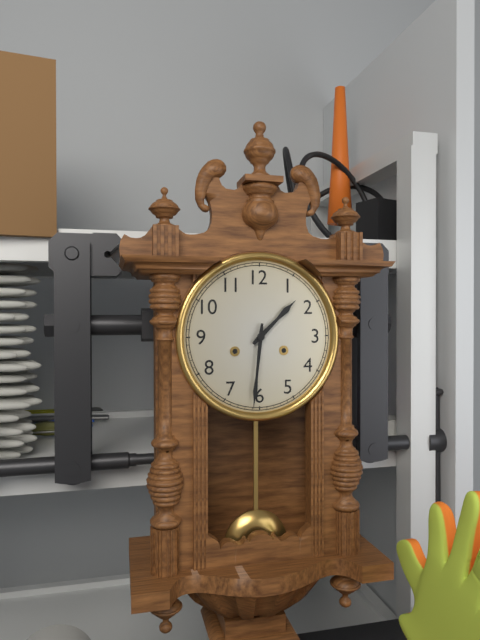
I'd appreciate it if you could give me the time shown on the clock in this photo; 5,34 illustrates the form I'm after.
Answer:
1,31
